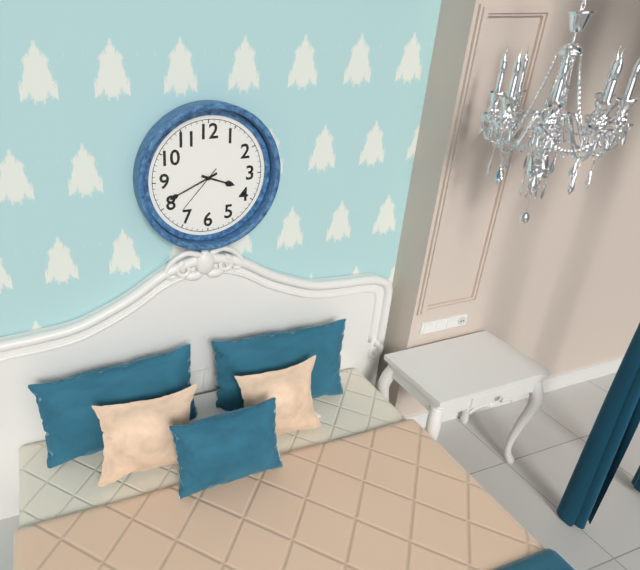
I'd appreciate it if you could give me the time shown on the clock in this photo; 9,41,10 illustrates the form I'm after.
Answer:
3,41,37
